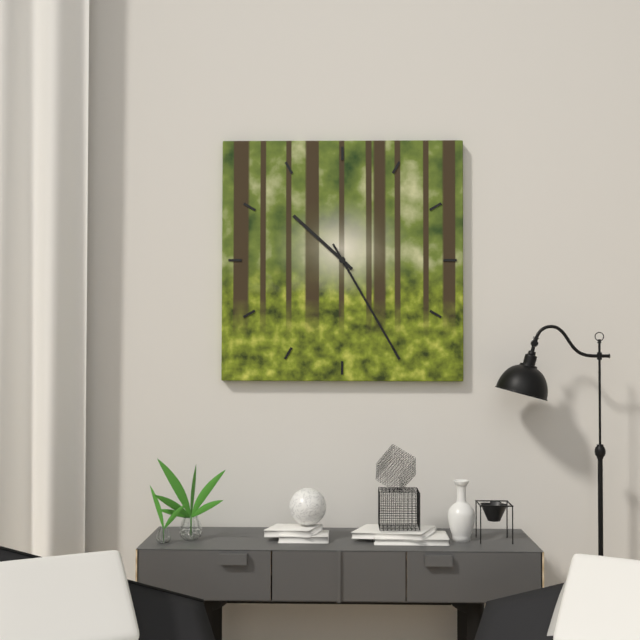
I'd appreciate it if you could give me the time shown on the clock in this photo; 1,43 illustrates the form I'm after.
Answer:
10,25
